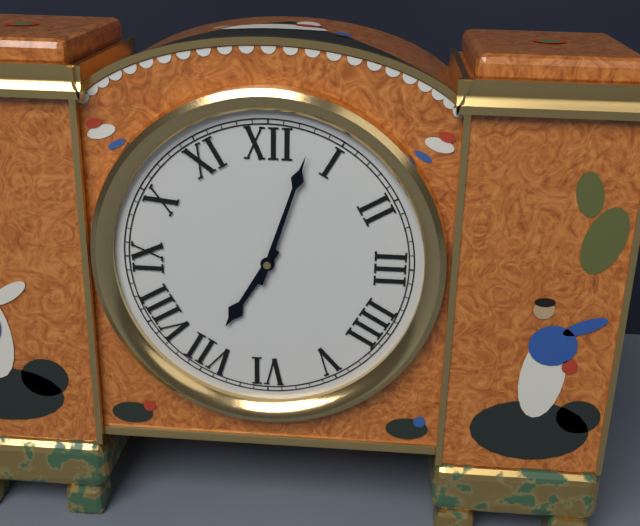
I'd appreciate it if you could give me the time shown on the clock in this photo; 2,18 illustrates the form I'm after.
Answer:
7,03
